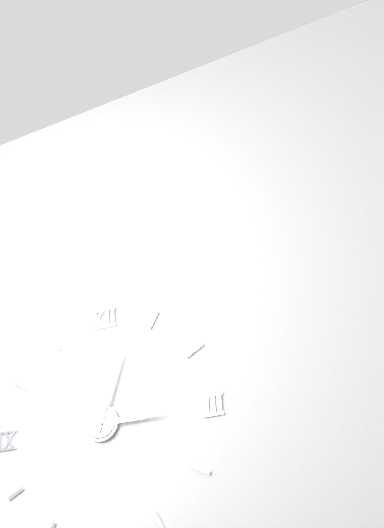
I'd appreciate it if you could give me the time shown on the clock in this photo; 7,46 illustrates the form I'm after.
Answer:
3,03
